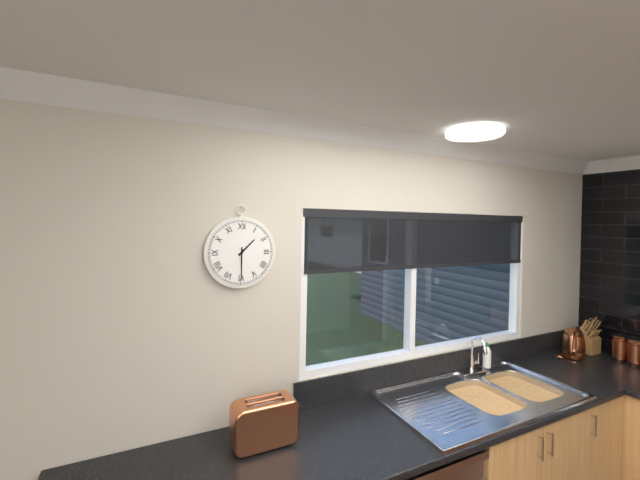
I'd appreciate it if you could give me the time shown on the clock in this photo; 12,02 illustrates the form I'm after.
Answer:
1,30
